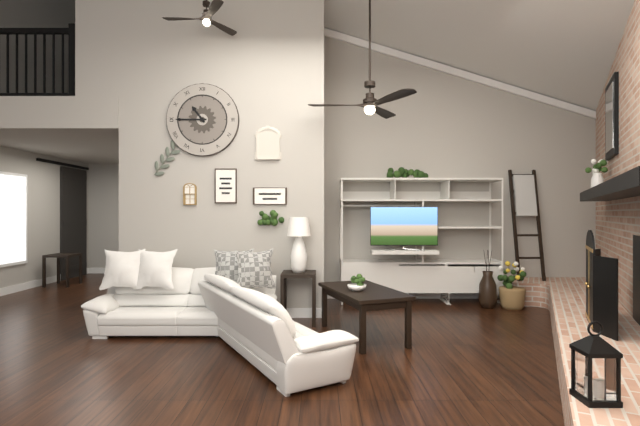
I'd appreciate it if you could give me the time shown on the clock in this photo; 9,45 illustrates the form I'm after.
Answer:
10,45
